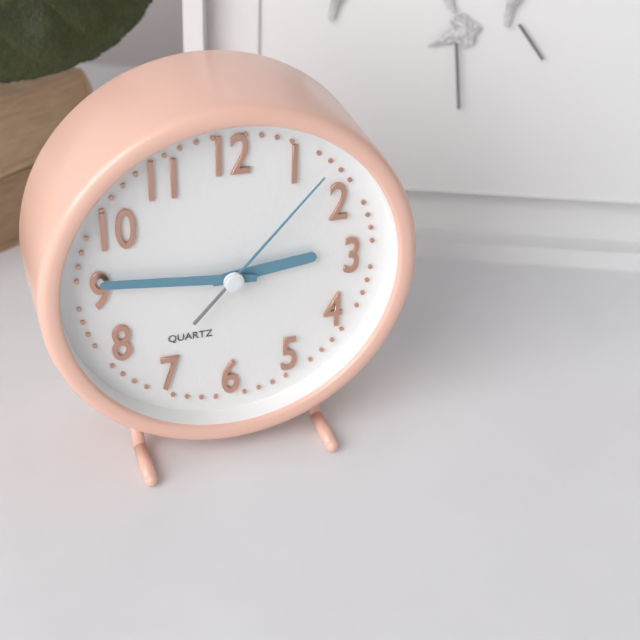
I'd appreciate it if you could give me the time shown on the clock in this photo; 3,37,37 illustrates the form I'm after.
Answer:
2,46,07
